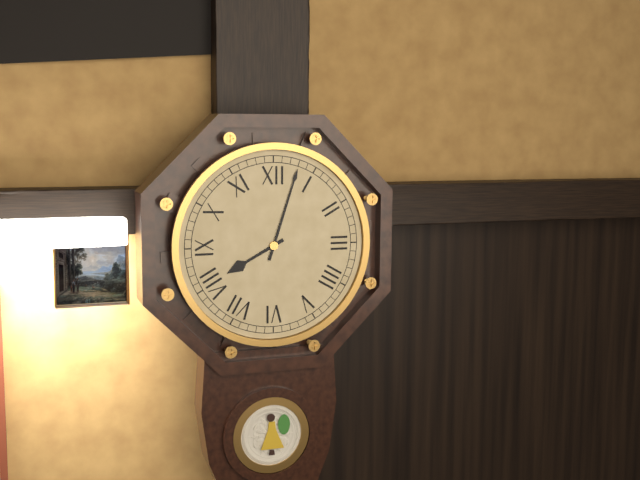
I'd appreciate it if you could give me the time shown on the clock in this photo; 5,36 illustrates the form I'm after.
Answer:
8,03
